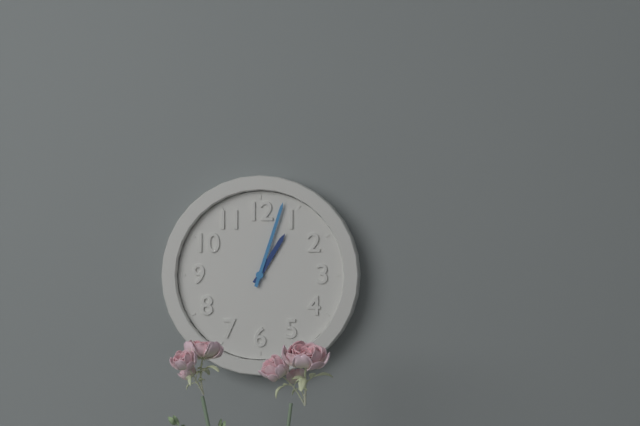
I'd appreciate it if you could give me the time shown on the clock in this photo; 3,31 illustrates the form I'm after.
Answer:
1,03
